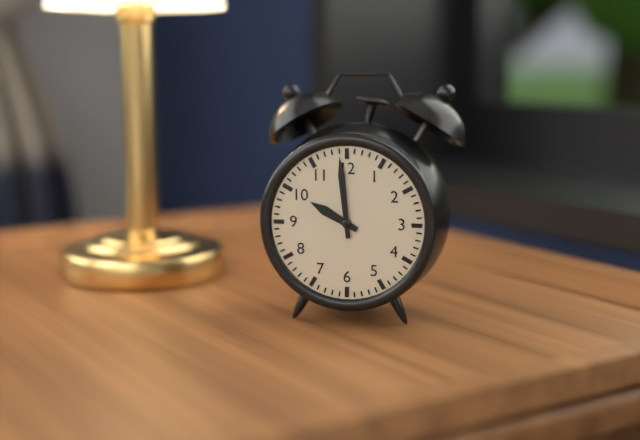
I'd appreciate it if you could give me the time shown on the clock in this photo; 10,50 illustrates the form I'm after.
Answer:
9,59
